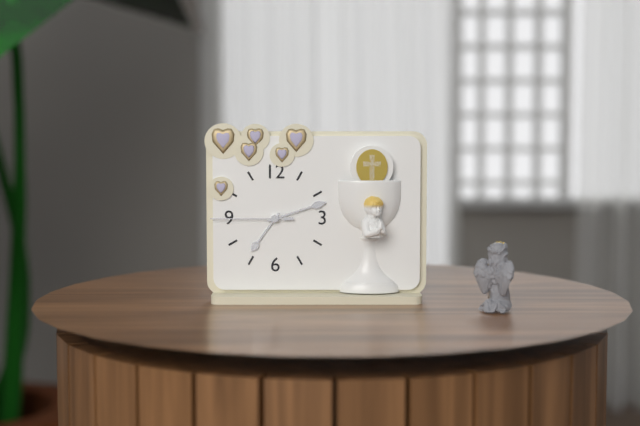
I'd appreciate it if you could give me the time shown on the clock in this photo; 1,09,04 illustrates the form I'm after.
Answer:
7,12,45
